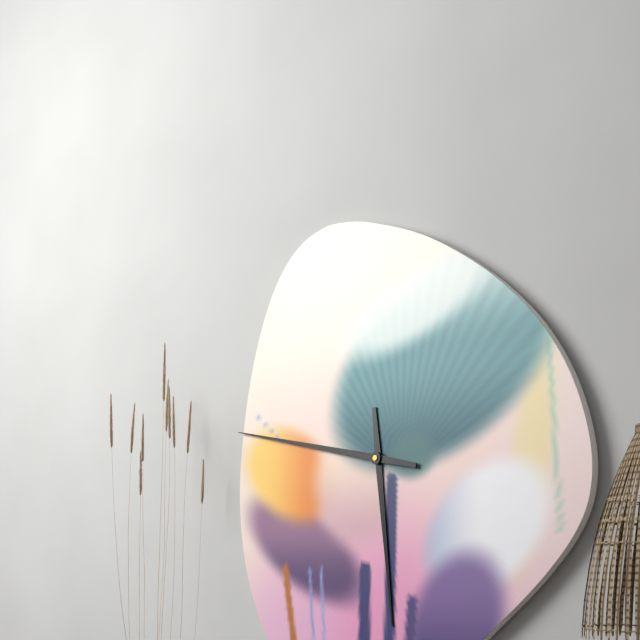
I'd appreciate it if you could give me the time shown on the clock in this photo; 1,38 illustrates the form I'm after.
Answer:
5,47
